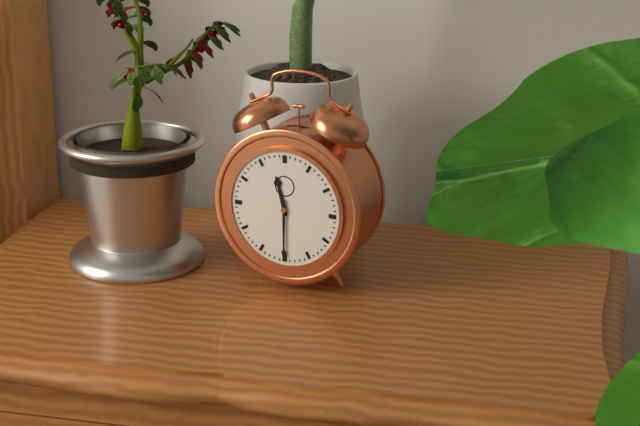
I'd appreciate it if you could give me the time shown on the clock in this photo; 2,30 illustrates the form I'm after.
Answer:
11,30
